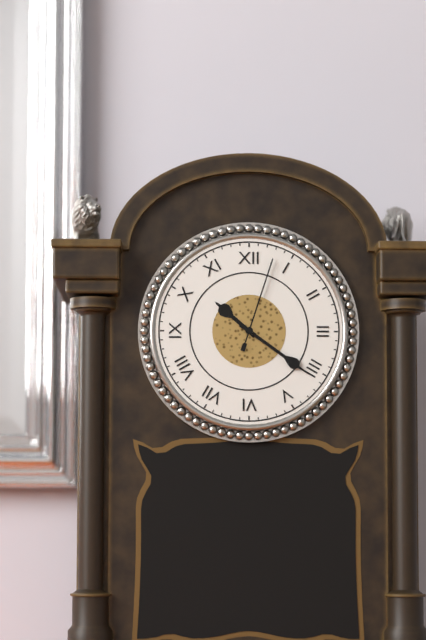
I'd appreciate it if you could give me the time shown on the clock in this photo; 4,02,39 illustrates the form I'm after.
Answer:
10,21,03
